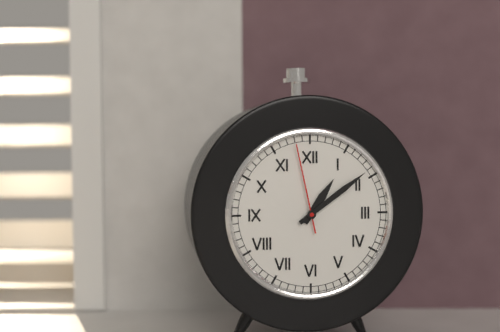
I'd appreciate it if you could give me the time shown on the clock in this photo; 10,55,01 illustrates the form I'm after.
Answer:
1,09,58
